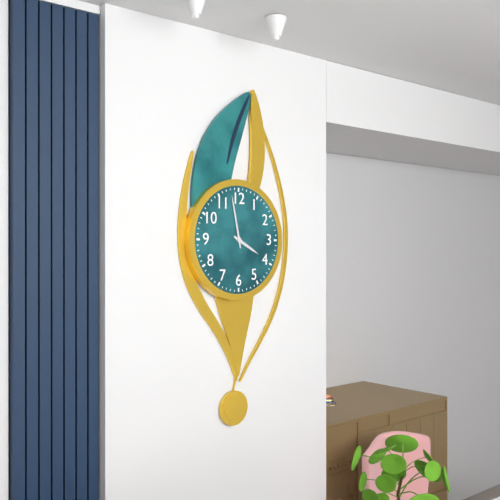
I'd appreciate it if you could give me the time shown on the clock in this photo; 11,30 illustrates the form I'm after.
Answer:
3,58
